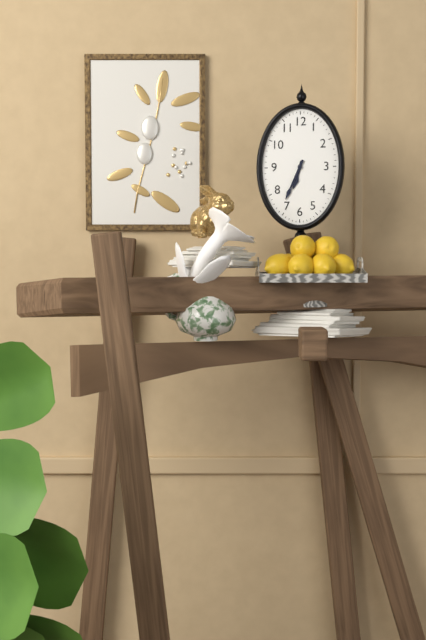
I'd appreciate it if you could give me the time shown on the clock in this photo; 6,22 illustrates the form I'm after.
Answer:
6,34
